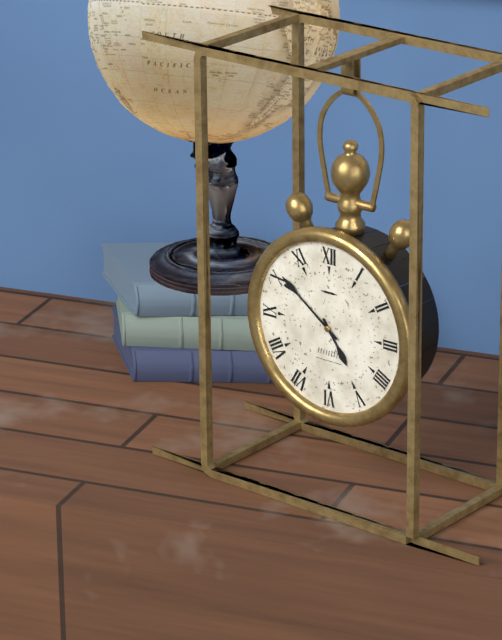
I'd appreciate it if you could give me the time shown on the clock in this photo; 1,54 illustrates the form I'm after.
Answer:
4,51
